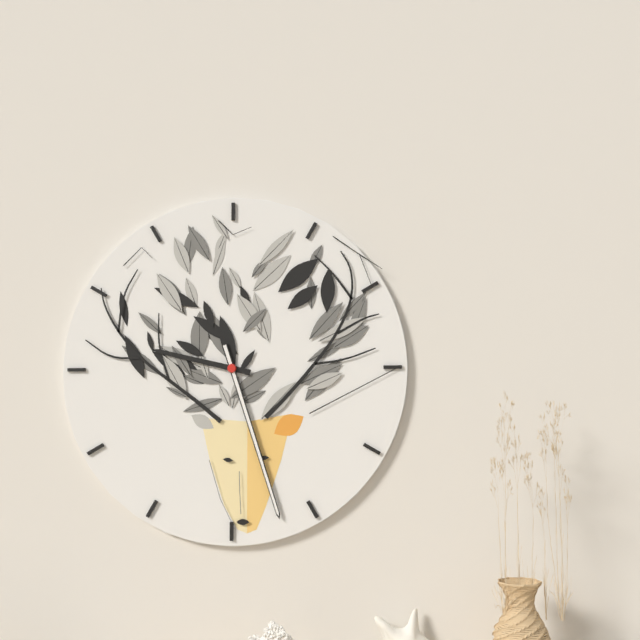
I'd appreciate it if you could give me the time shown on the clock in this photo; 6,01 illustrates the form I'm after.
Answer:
9,27
